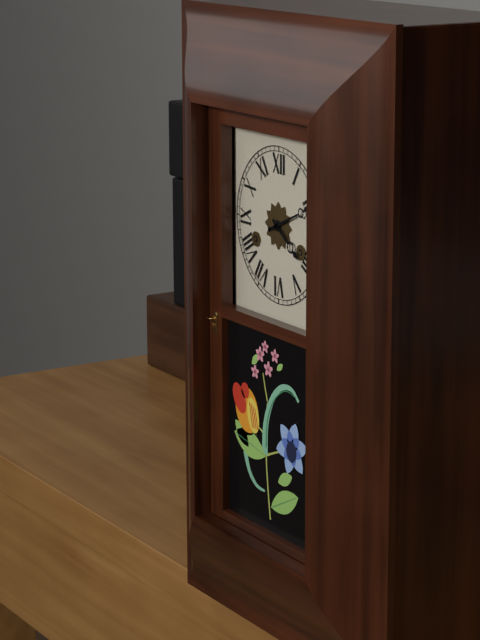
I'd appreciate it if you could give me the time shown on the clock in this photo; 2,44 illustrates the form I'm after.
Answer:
4,11
